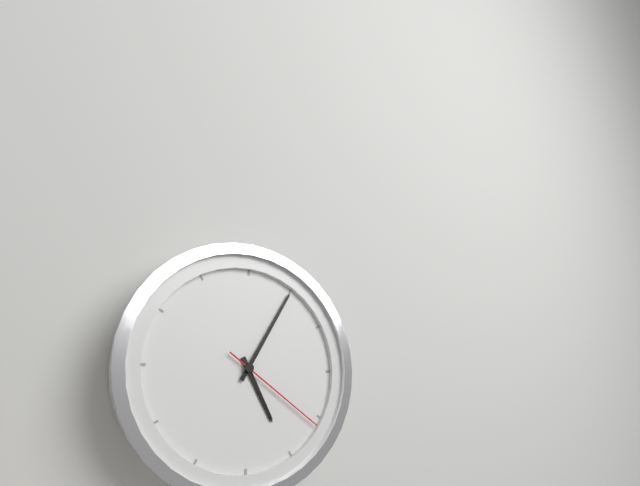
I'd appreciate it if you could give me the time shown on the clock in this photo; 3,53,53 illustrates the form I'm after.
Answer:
5,05,21
